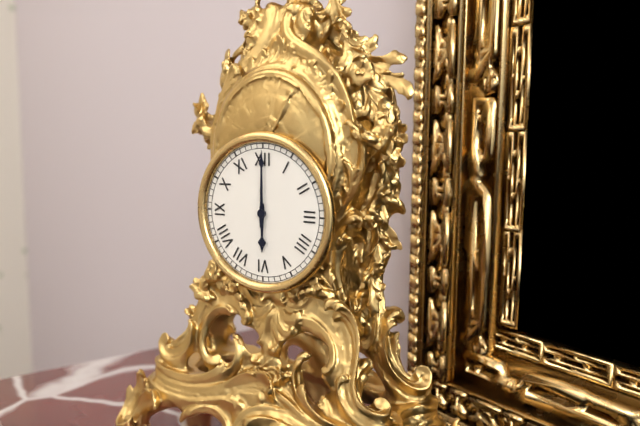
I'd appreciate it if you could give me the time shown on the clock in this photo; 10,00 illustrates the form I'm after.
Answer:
6,00
